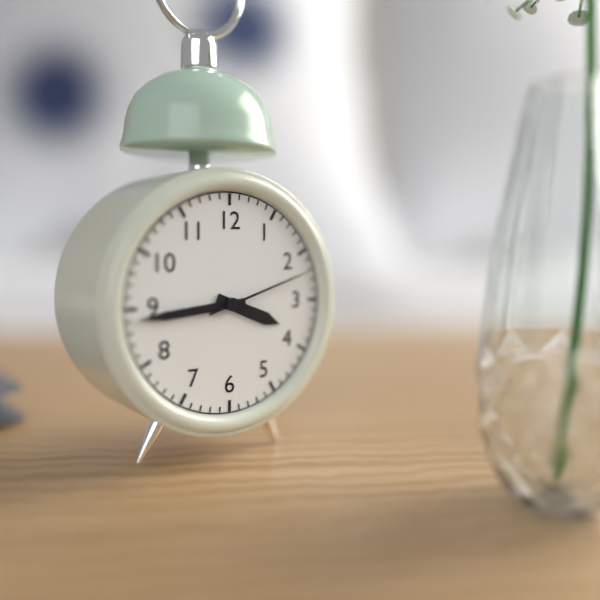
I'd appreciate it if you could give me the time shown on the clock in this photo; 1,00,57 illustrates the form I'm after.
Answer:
3,44,12
